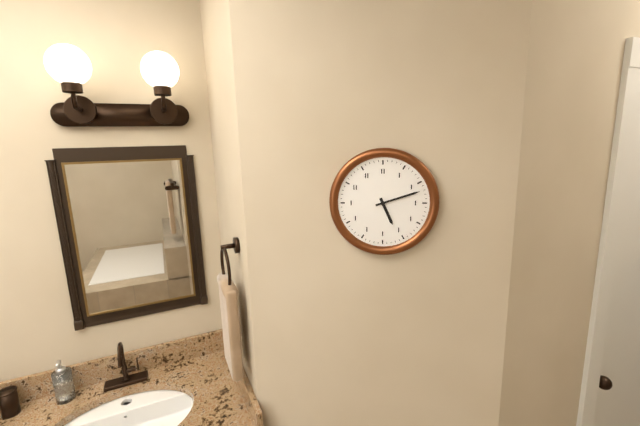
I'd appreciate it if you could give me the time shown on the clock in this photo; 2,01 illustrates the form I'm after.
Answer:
5,12
